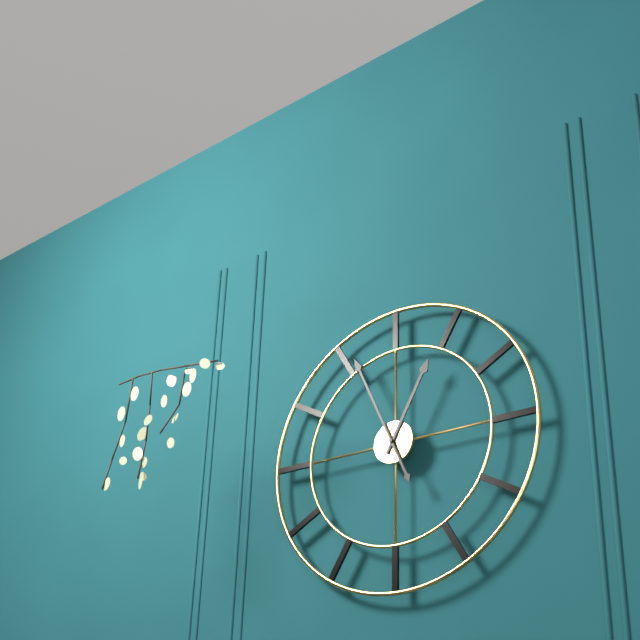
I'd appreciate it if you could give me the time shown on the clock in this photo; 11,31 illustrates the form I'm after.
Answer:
12,56
